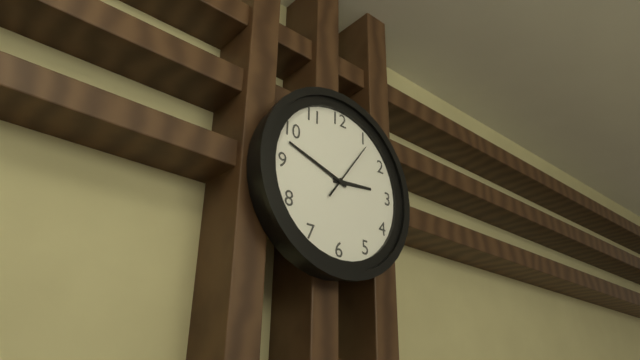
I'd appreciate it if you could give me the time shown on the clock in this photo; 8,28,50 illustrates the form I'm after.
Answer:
2,48,06
